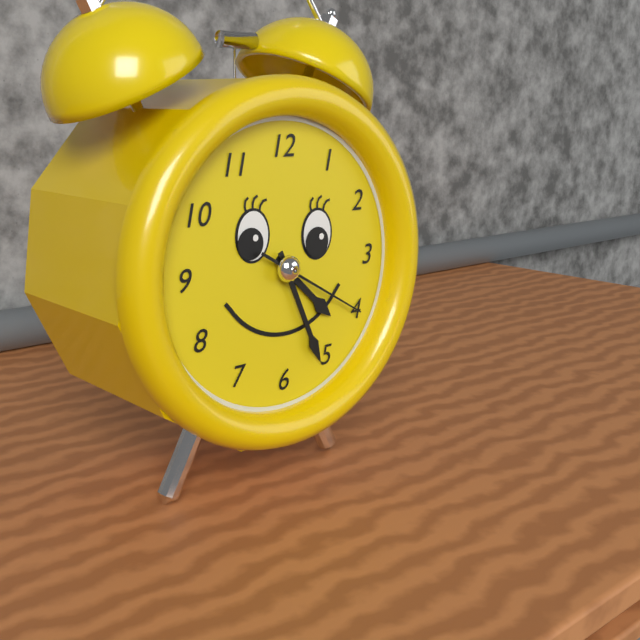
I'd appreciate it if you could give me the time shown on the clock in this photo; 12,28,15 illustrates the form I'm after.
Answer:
4,26,20
